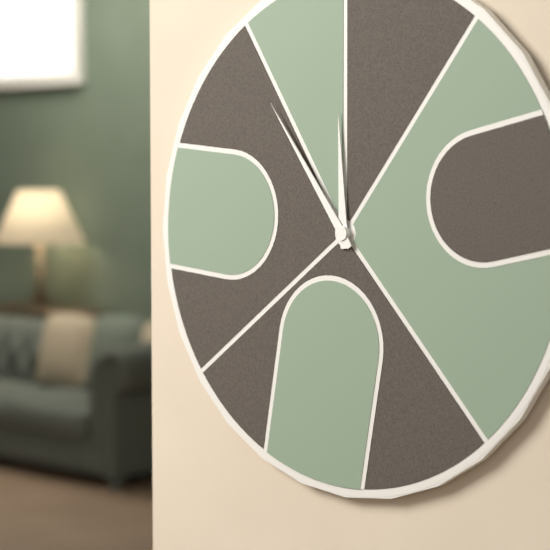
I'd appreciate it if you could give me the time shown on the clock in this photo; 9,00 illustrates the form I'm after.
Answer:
11,54
